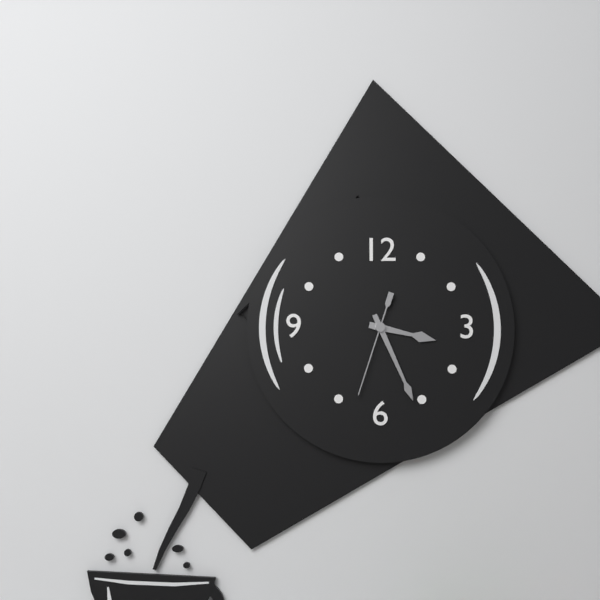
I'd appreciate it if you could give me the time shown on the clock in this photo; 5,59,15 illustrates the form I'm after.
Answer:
3,26,33
